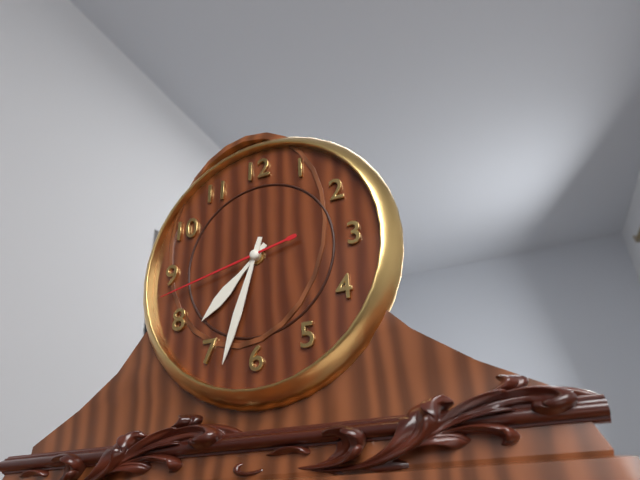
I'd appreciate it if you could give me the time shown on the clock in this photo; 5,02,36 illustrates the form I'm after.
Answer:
7,33,43
